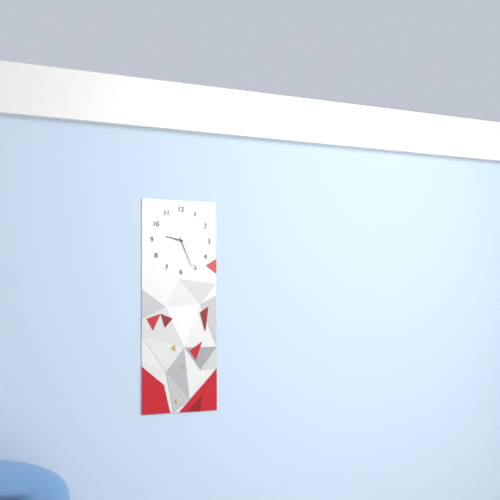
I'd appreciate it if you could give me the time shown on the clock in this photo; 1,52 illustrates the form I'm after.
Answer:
9,26
